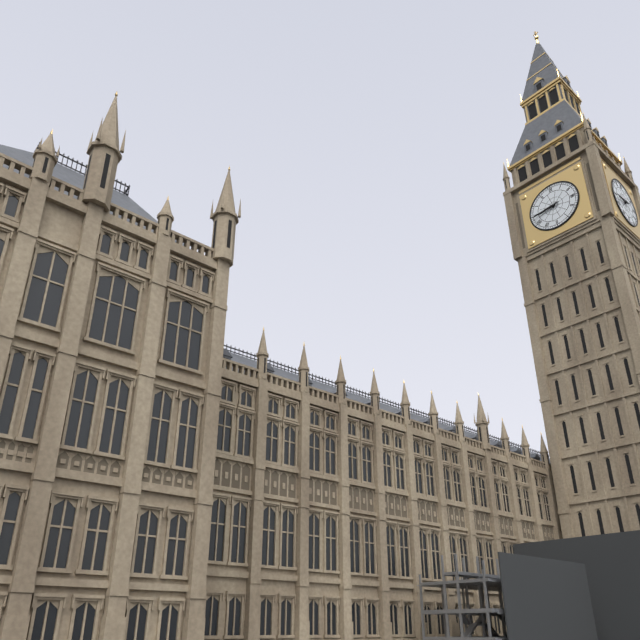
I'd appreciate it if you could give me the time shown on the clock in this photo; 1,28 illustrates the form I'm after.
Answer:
8,44
